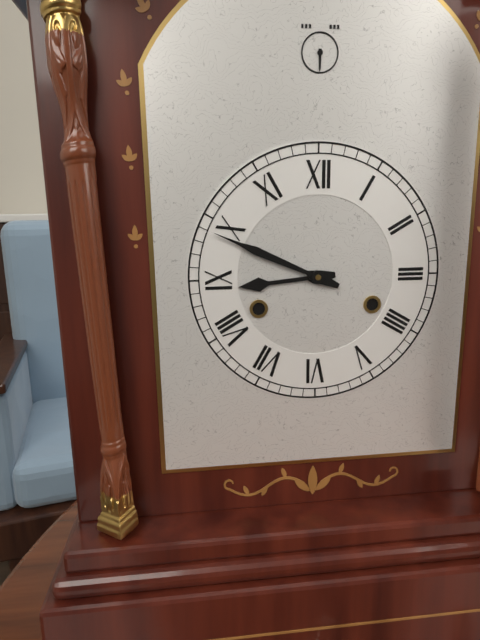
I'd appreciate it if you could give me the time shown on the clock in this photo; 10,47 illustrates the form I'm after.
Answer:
8,49
